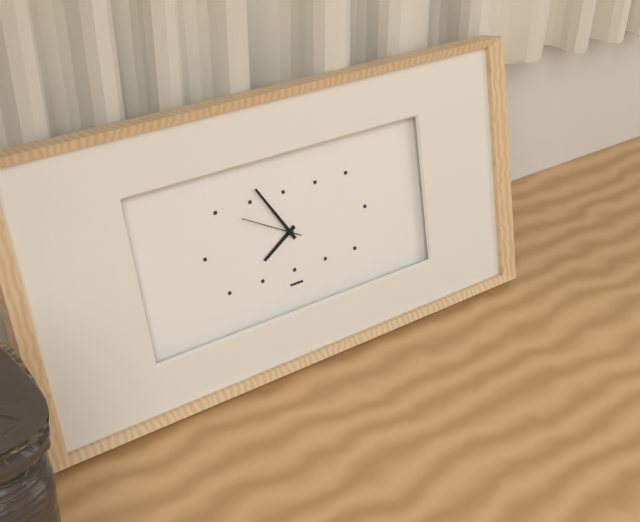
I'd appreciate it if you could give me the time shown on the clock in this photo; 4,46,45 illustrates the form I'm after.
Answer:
7,55,50
